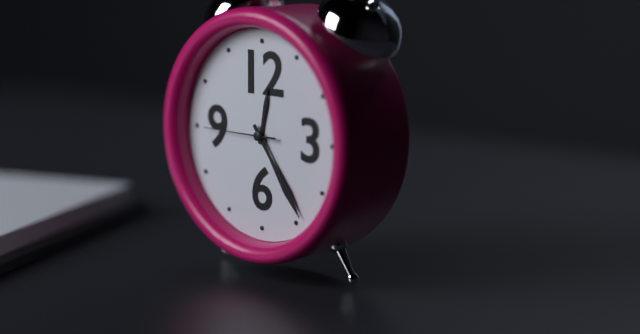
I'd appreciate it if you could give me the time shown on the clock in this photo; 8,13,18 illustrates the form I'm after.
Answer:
12,24,45
